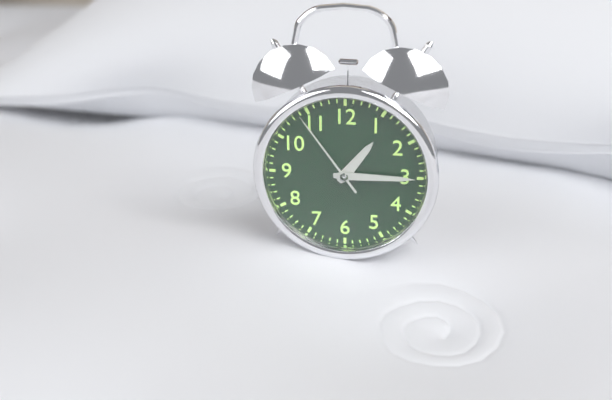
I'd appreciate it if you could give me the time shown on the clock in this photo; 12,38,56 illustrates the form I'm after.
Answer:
1,15,54
